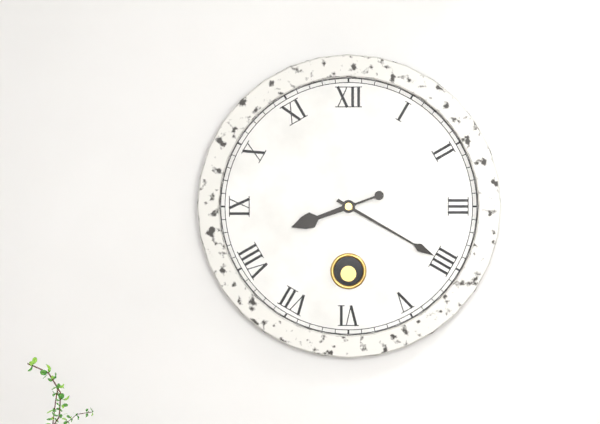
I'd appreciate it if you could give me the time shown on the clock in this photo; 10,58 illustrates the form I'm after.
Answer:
8,20
